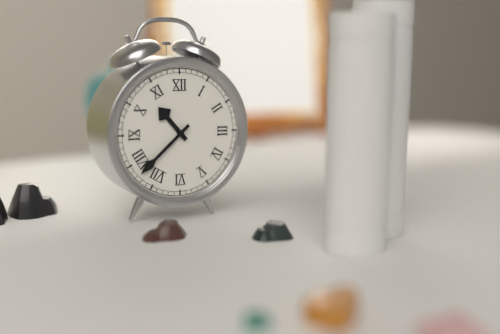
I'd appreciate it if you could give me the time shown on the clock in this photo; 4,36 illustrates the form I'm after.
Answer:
10,38
